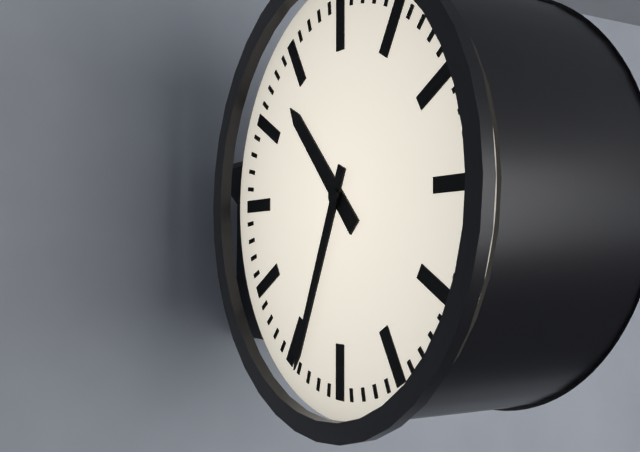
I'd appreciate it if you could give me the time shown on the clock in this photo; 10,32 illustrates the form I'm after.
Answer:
10,34
